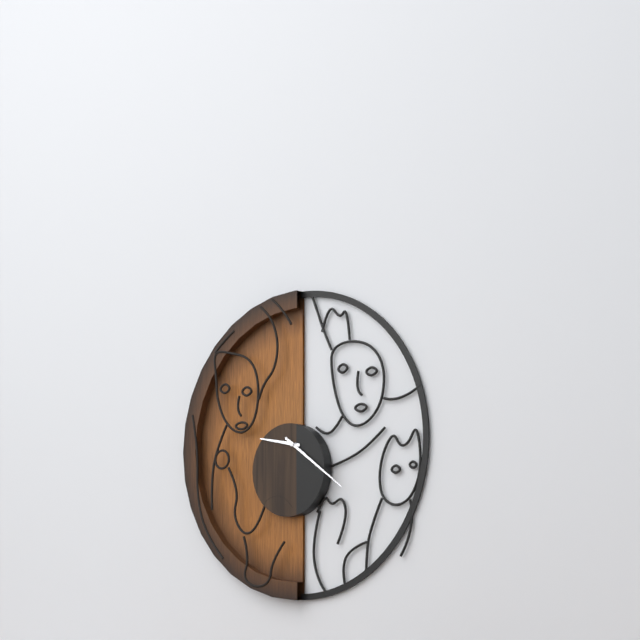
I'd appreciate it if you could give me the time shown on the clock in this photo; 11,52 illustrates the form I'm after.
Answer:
9,21
